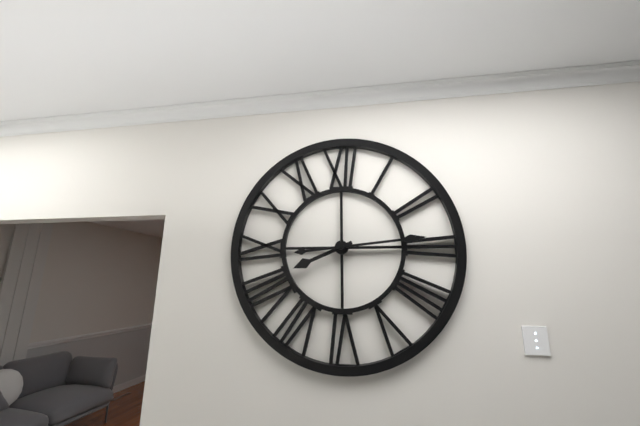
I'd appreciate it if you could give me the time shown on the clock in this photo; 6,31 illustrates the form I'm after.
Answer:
8,14
